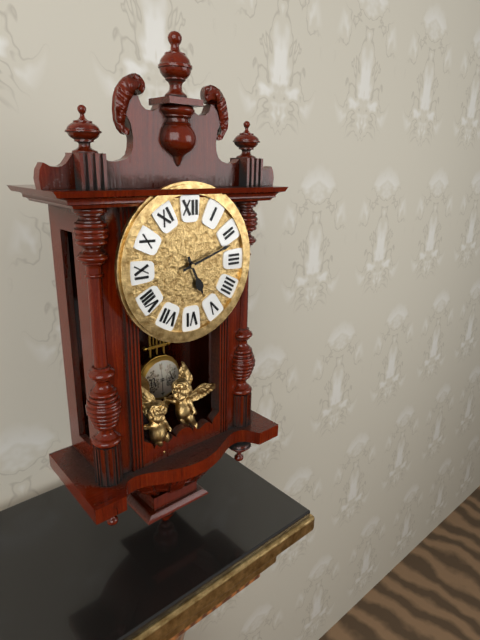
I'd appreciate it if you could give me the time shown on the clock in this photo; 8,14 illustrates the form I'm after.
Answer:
5,12
